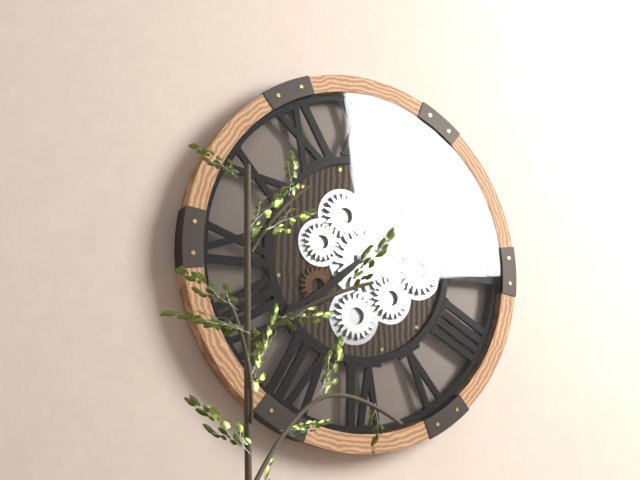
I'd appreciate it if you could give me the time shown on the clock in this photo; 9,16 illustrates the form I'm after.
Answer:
7,39
